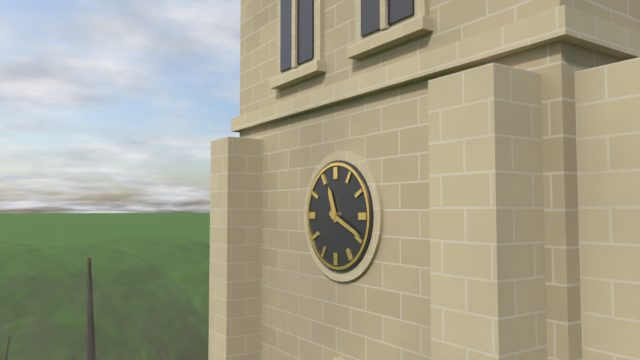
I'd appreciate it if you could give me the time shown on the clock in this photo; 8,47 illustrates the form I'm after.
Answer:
11,19
